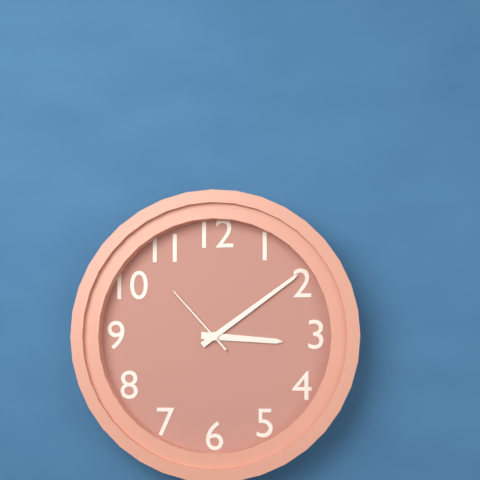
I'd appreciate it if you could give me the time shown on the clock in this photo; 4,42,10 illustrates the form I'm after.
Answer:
3,09,53
